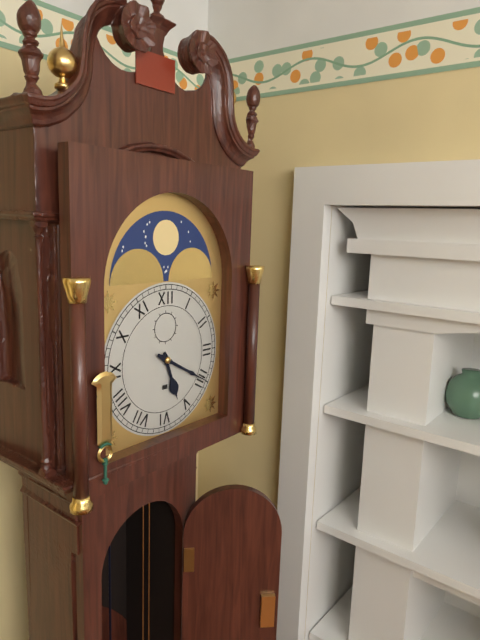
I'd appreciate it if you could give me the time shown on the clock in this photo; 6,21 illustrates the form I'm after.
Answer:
5,20
